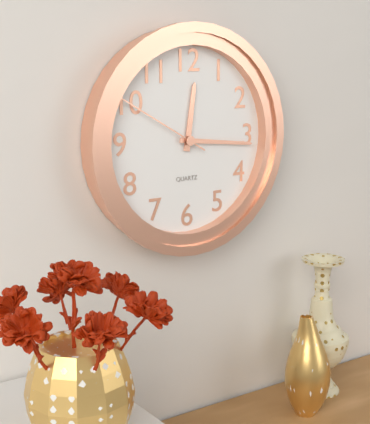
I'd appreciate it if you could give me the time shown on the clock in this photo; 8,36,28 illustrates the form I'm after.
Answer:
12,16,50
